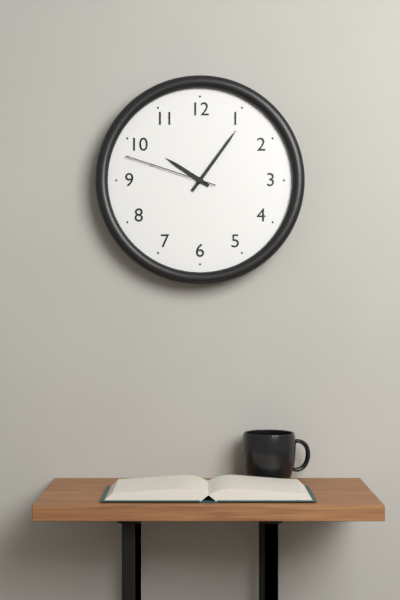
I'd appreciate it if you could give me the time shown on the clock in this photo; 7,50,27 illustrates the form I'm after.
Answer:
10,06,48
